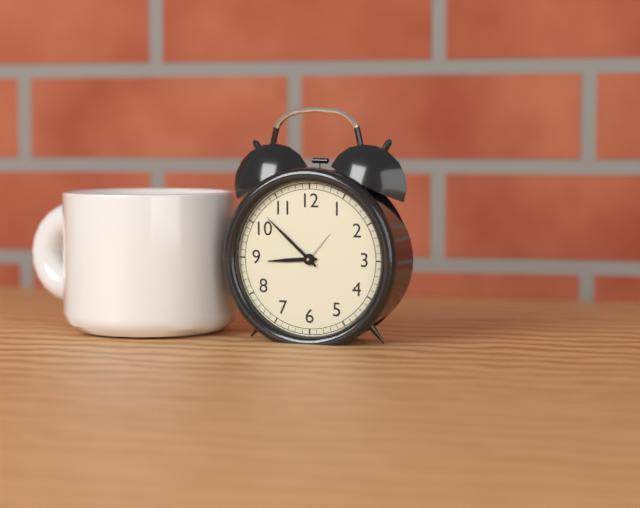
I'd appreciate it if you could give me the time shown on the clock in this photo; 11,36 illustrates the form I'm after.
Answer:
8,52
